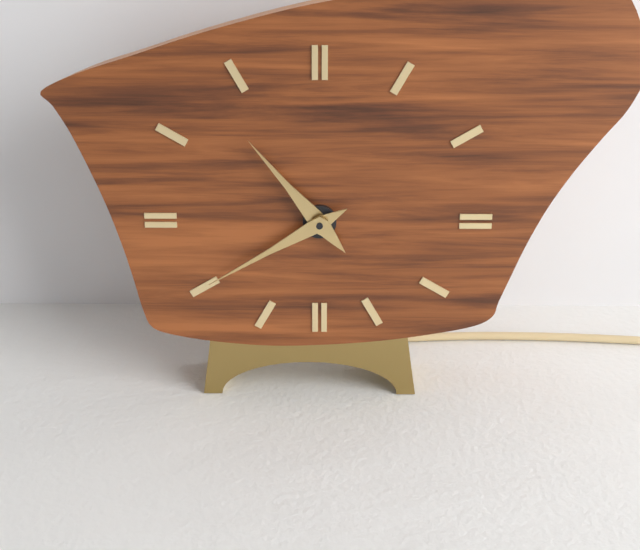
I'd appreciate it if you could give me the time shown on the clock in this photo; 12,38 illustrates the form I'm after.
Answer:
10,40
